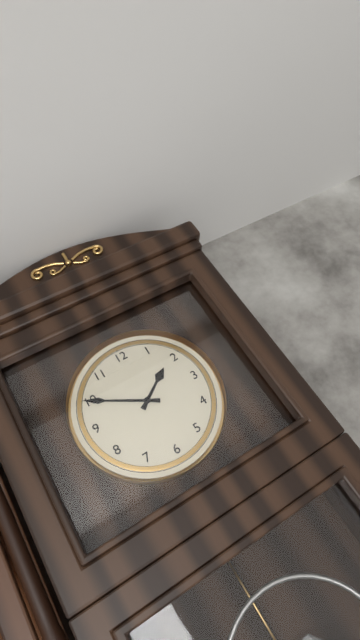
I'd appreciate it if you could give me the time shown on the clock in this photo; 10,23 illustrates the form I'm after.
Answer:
1,50
